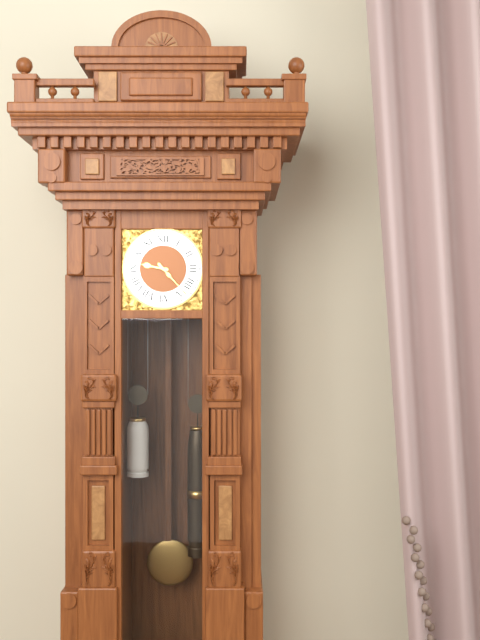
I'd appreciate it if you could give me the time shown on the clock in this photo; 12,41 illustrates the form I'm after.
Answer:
9,23
